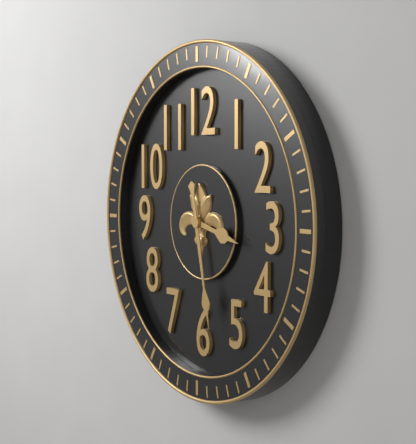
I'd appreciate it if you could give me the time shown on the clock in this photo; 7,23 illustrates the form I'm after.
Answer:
3,28
